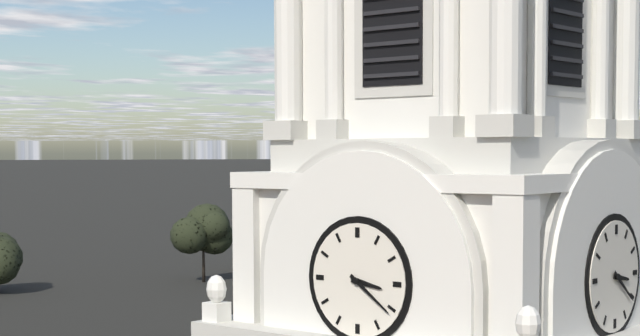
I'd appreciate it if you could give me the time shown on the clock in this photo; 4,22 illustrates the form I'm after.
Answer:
3,21
